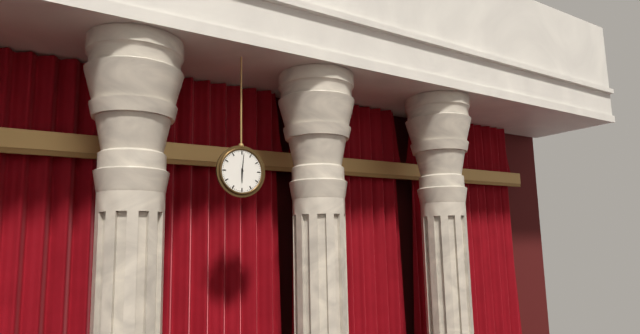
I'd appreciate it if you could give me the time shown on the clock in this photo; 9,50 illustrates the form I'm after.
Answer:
6,01
